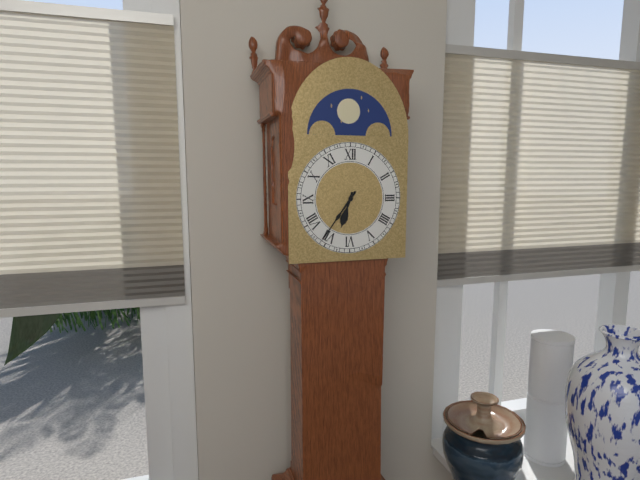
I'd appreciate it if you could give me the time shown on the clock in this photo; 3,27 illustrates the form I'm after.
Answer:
6,36
